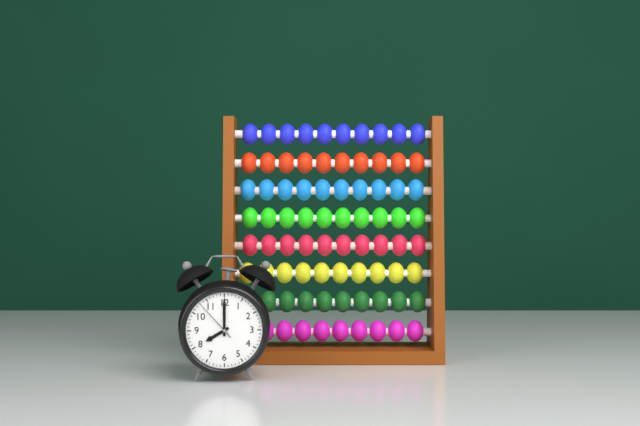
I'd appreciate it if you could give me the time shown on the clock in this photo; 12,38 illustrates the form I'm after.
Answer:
8,00
